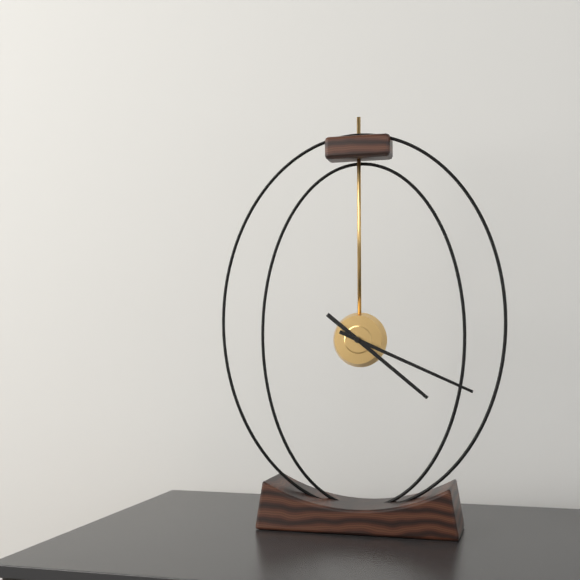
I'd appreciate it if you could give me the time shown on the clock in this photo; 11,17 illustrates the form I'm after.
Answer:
4,19
